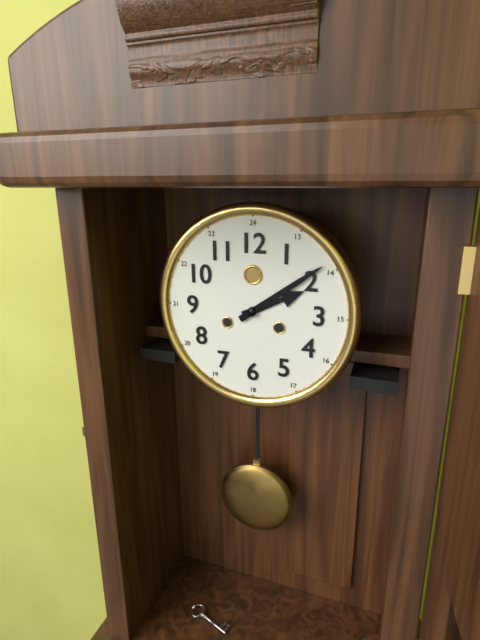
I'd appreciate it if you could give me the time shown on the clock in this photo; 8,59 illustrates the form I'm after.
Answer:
2,09
